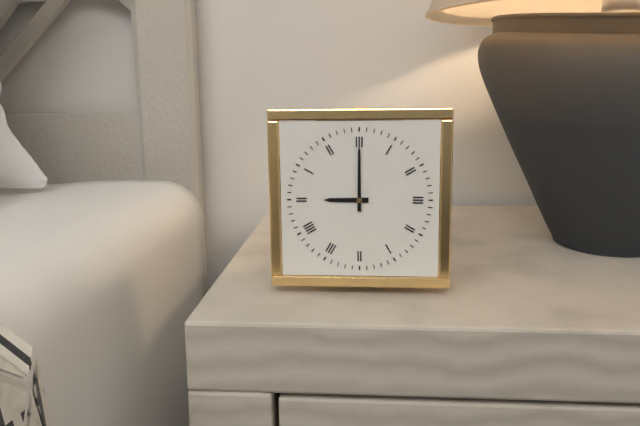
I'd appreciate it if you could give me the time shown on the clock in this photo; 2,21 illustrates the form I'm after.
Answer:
9,00
